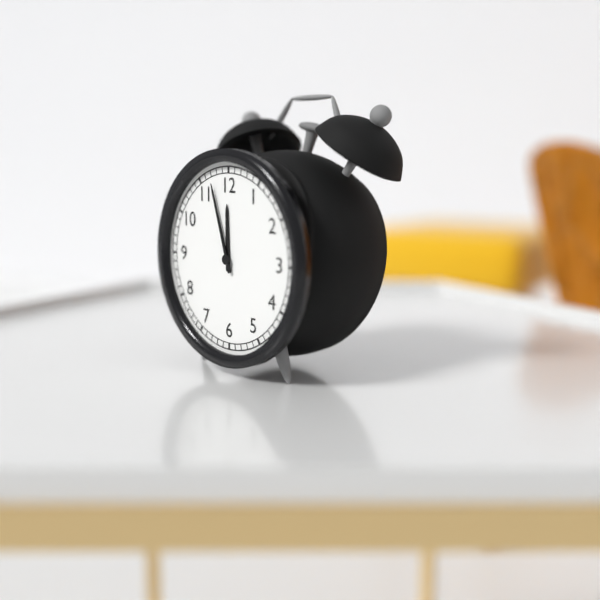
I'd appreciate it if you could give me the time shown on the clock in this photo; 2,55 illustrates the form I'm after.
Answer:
11,57
